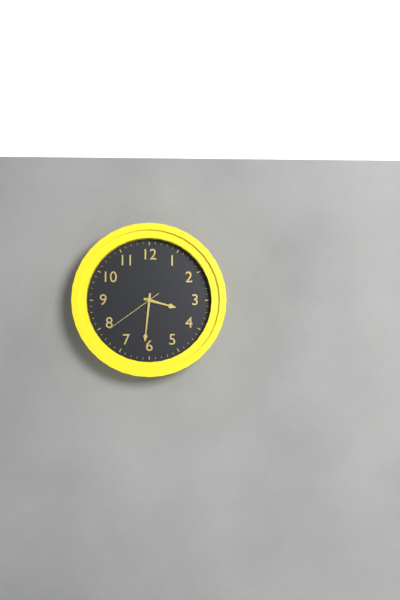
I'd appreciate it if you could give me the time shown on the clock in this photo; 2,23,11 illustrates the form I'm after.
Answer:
3,31,39
